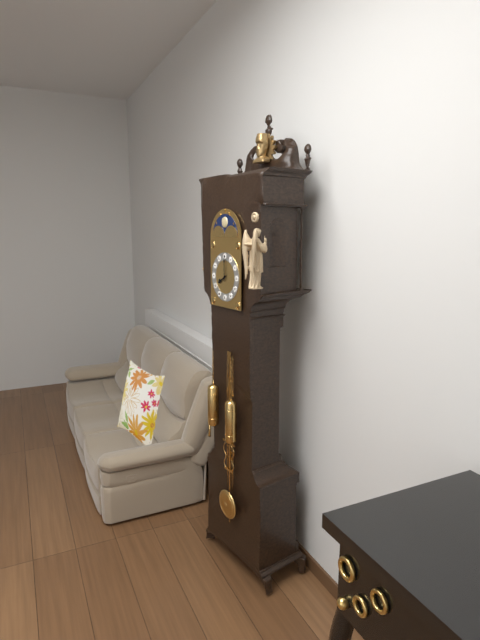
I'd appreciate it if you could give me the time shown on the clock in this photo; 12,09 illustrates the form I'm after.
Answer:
8,00
